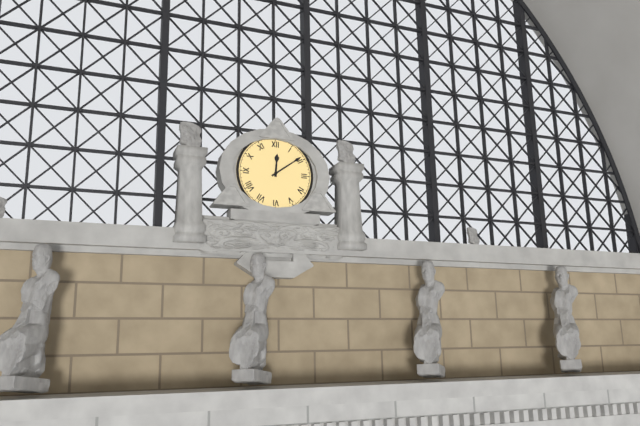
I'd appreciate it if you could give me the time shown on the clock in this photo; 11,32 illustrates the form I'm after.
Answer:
12,09
